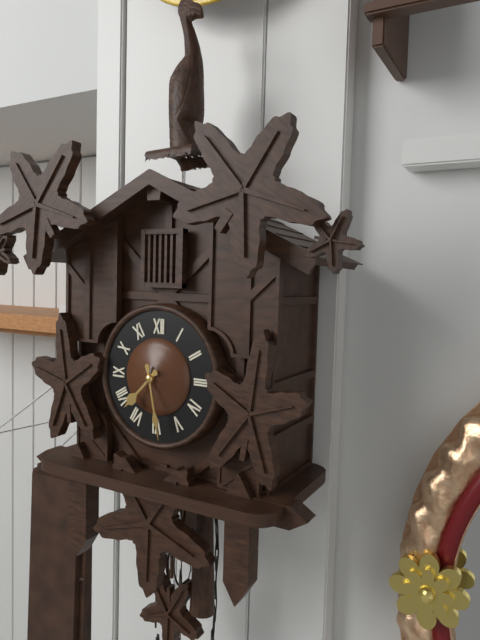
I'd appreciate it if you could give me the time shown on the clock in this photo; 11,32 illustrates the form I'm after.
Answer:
7,28
